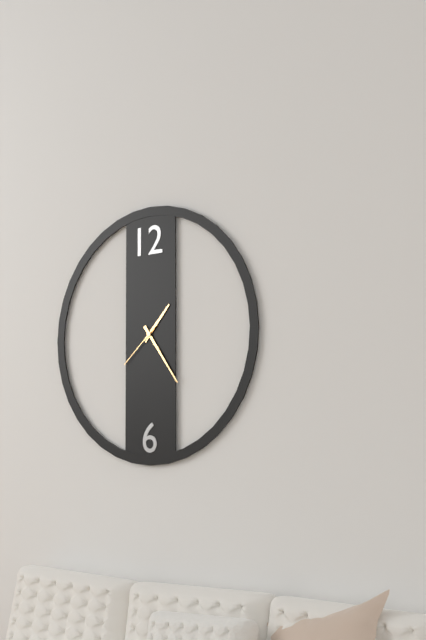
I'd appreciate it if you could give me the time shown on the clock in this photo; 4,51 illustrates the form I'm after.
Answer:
1,24
